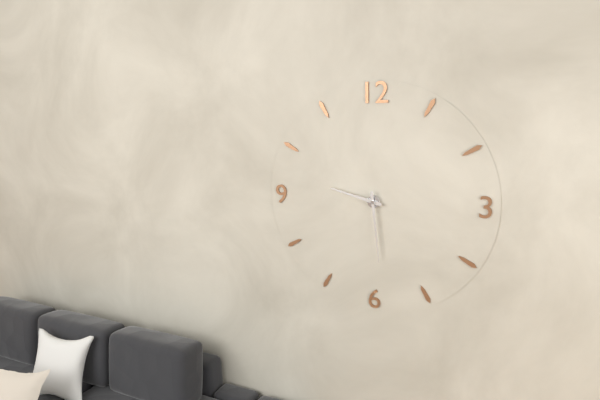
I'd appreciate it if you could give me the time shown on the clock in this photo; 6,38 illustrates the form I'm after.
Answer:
9,29
